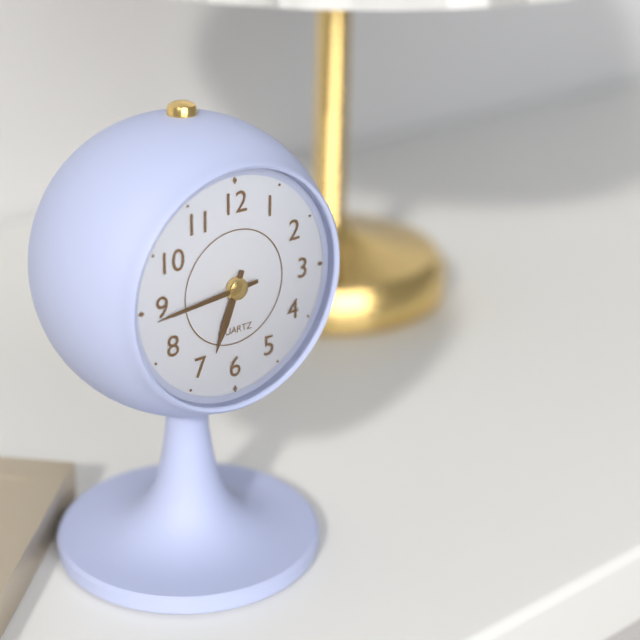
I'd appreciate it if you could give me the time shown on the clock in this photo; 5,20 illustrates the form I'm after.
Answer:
6,44
